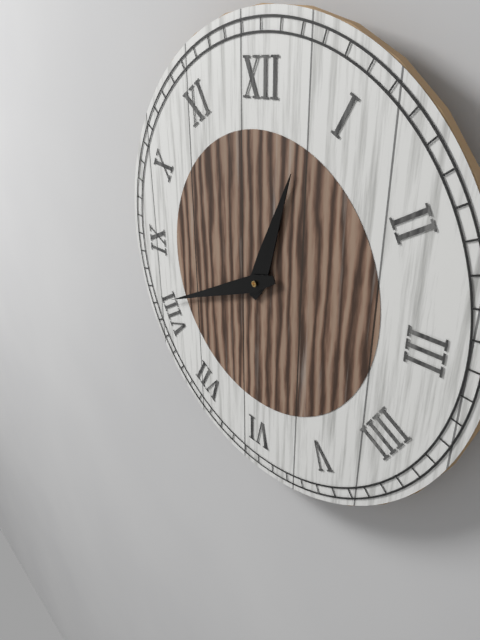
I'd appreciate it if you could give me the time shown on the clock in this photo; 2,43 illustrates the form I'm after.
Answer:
12,41
